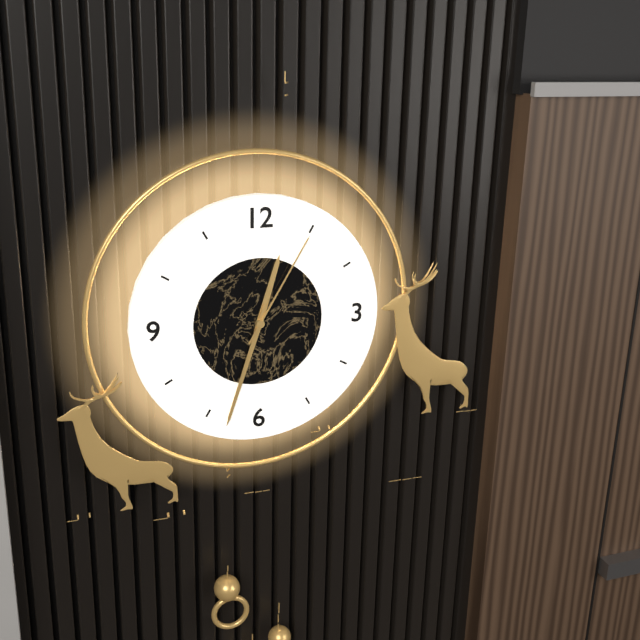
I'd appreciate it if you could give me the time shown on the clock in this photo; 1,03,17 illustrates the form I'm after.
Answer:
12,33,05
